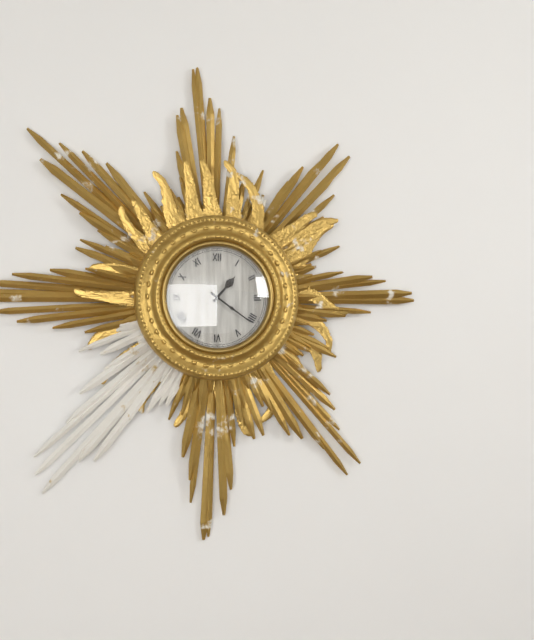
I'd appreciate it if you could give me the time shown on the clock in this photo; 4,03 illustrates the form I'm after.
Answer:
1,21
